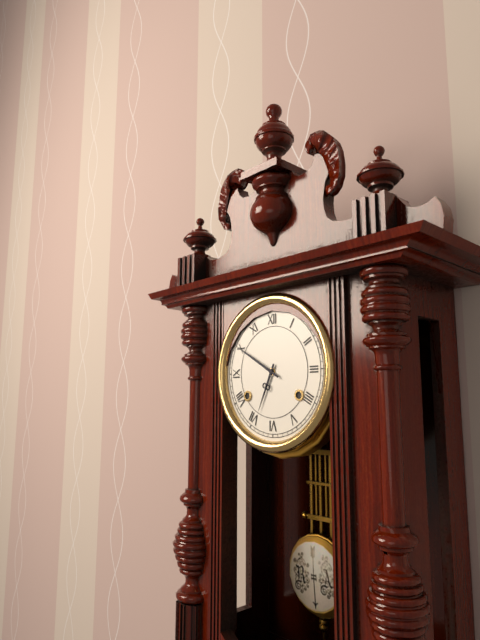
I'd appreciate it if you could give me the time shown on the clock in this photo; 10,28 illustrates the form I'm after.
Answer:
6,50
